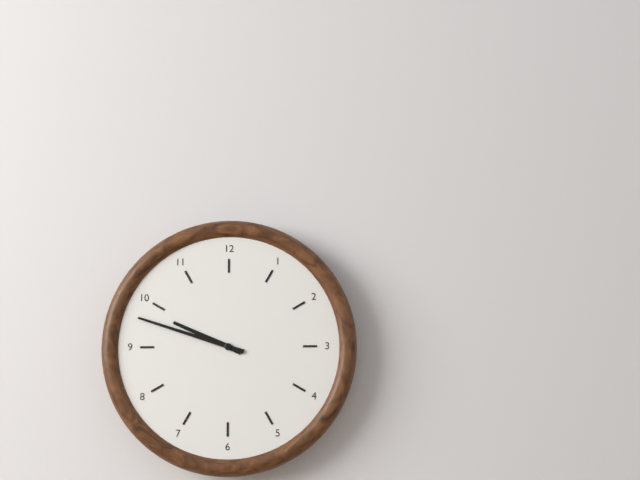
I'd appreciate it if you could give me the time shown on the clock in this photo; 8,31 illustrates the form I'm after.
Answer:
9,48
